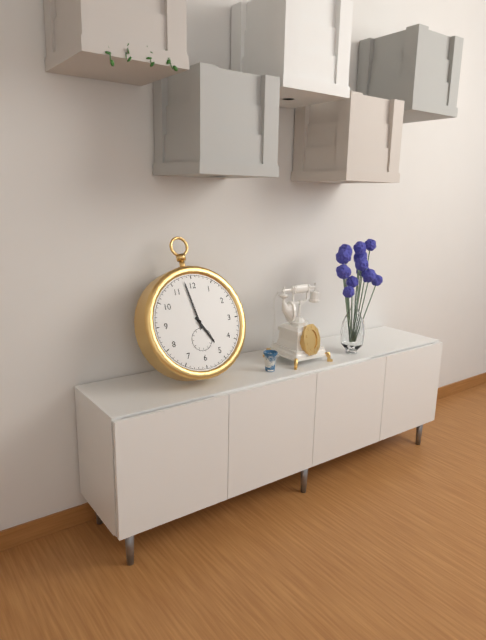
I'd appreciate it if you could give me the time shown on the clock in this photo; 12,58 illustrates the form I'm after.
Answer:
4,58
